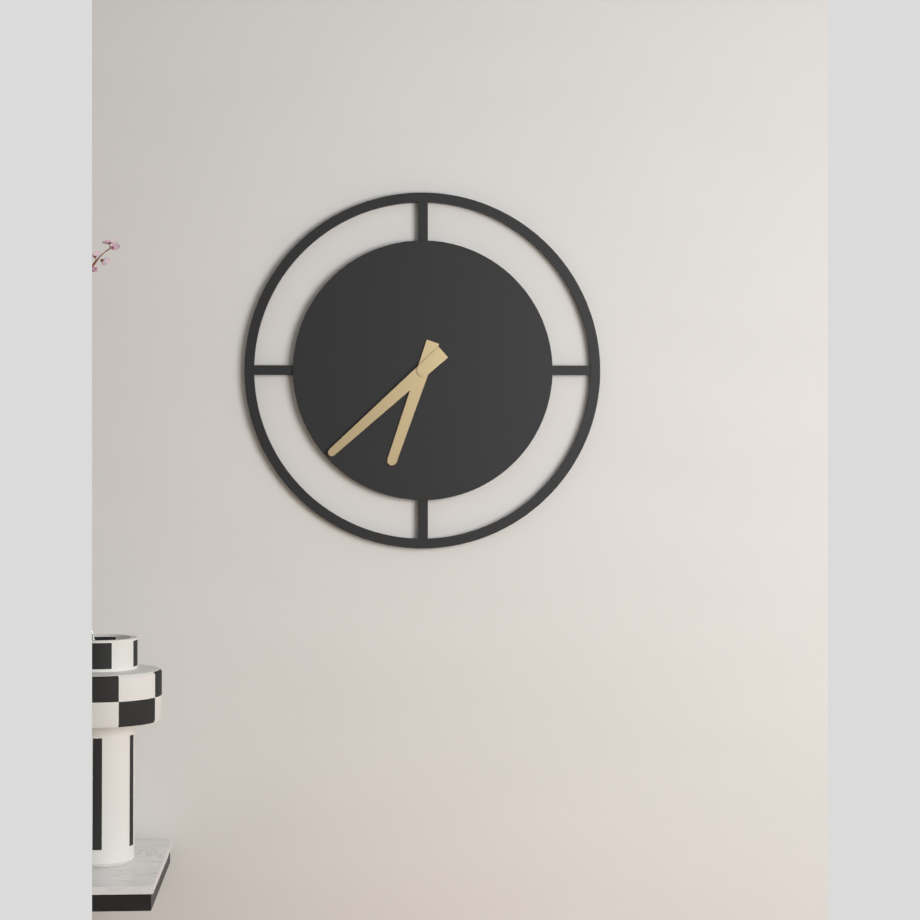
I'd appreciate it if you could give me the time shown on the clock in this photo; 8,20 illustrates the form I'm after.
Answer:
6,38
